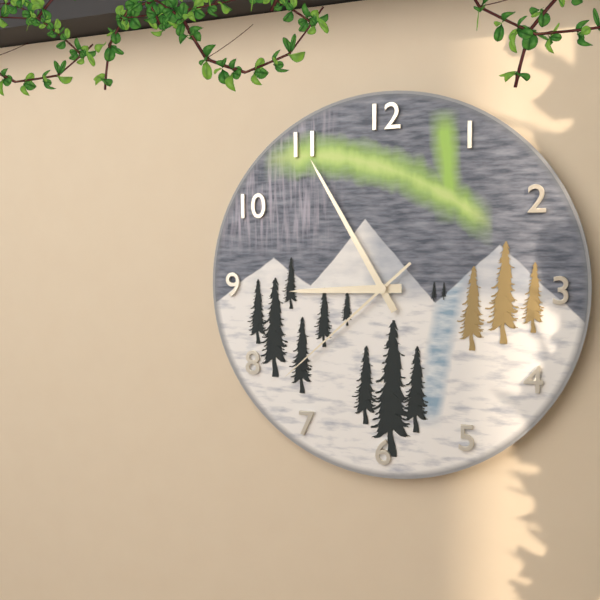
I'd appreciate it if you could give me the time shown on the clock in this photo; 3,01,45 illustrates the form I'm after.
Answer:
8,55,38
